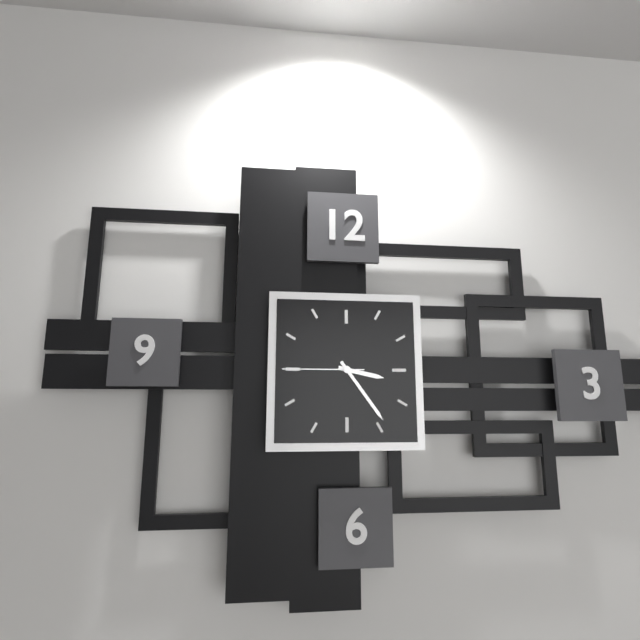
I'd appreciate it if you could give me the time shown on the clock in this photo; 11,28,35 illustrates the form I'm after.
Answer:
3,24,45
